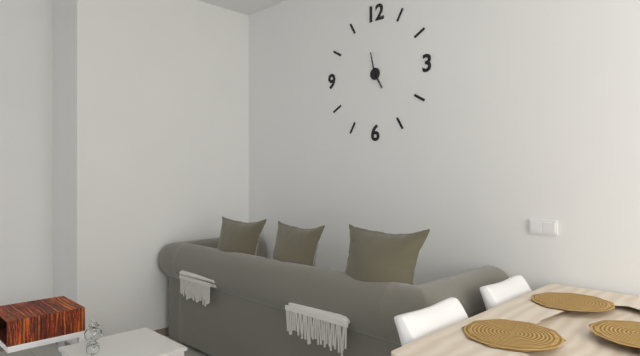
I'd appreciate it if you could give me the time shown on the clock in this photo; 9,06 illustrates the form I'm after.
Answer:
4,58
